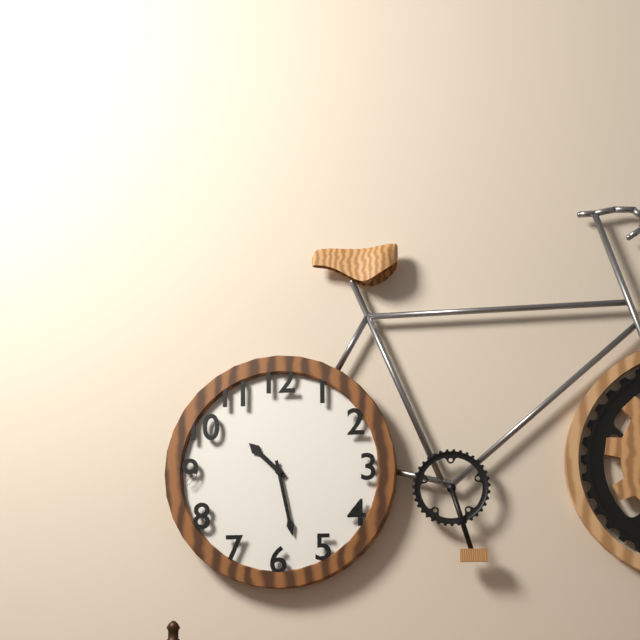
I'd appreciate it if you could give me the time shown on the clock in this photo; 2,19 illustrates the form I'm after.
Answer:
10,28
